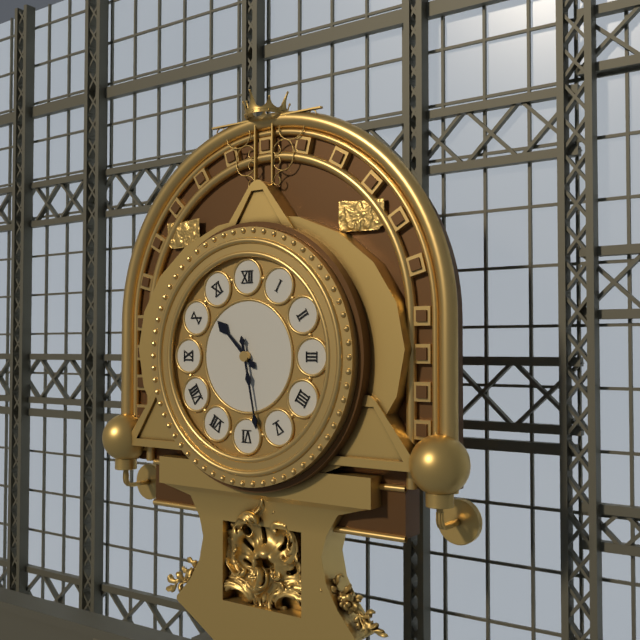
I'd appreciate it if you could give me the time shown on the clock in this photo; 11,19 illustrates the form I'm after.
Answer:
10,28
